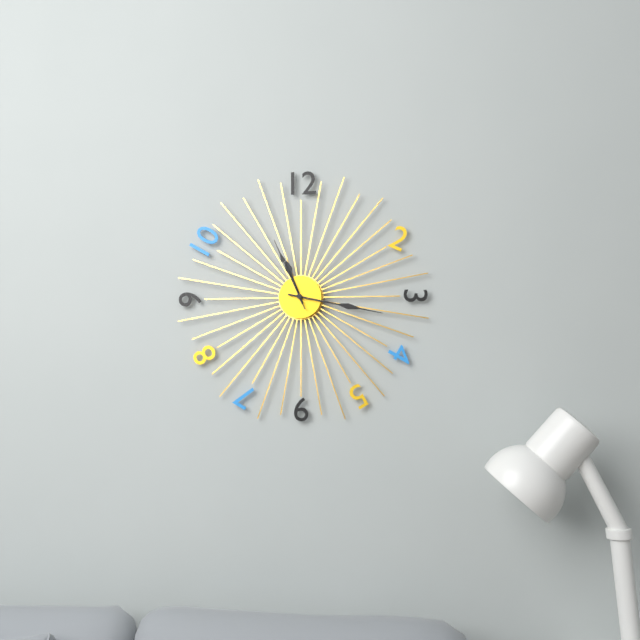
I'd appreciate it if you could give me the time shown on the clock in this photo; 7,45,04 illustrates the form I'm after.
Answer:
11,17,56
